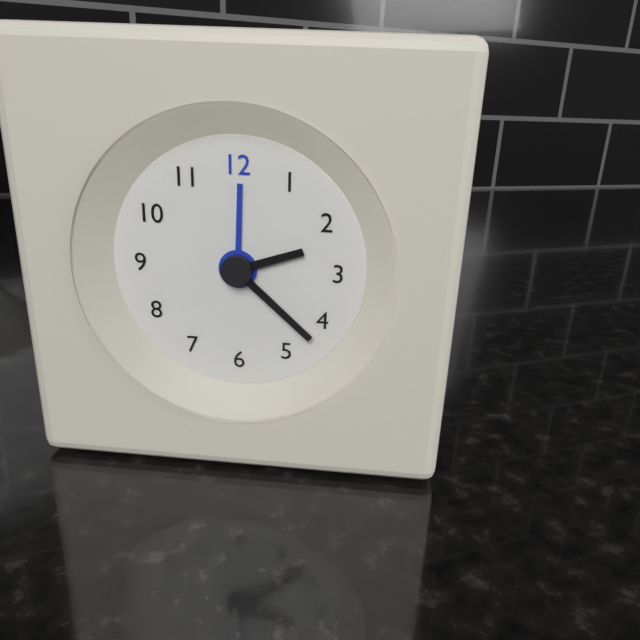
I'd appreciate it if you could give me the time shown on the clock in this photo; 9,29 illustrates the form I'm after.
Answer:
2,22
